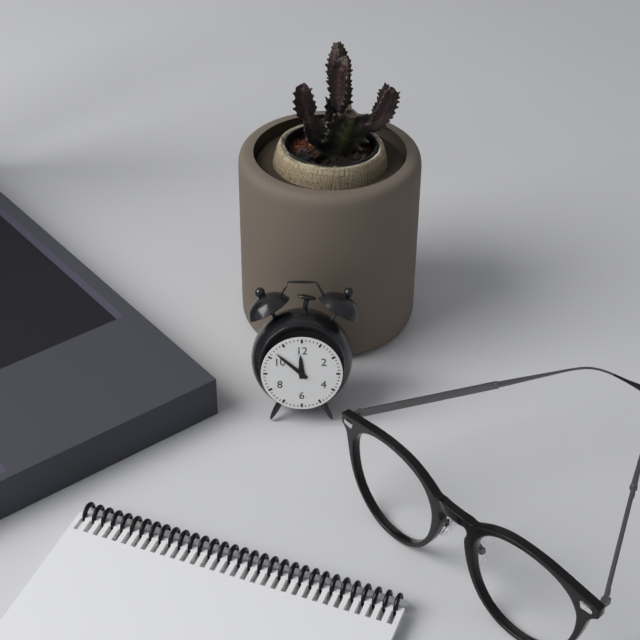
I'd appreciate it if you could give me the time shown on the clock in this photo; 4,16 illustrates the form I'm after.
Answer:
11,52
